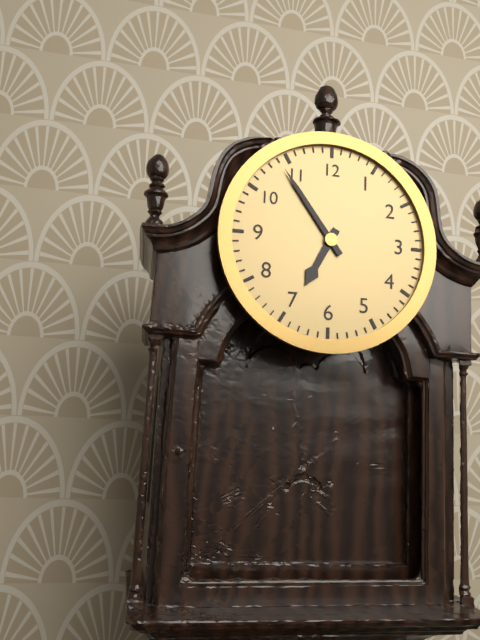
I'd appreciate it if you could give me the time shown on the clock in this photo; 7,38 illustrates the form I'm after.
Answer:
6,54
